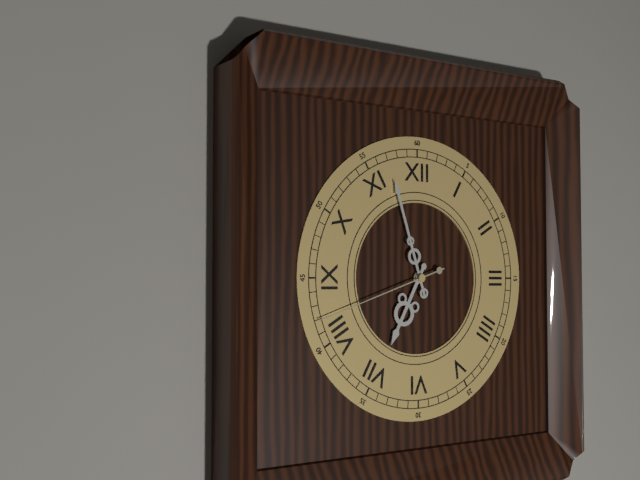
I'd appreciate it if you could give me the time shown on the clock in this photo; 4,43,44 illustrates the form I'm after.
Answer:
6,57,42
